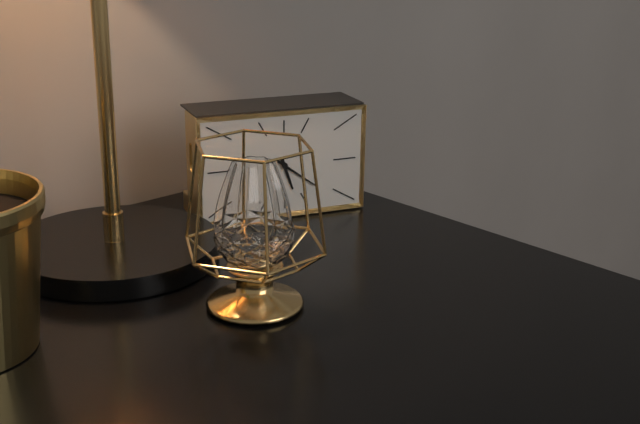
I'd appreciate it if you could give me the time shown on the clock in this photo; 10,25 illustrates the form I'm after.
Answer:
5,21
